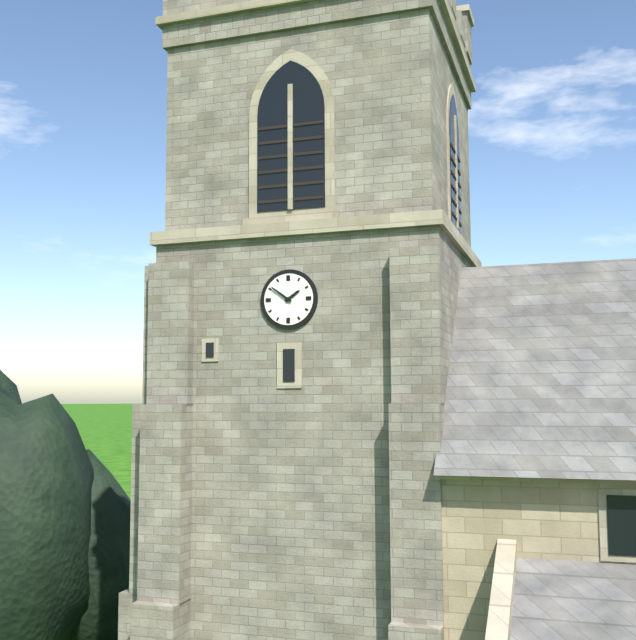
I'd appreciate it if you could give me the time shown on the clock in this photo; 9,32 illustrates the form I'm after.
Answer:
1,51
